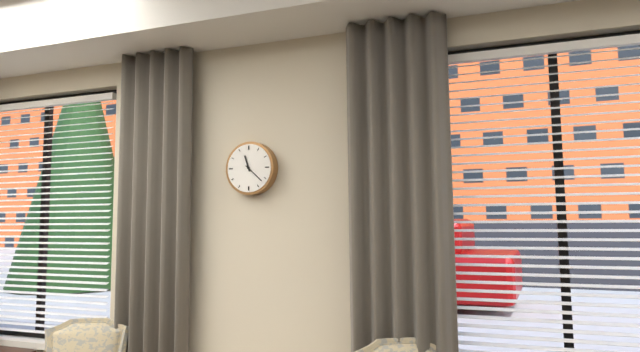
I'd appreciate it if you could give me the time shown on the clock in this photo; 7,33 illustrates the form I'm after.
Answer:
11,22
